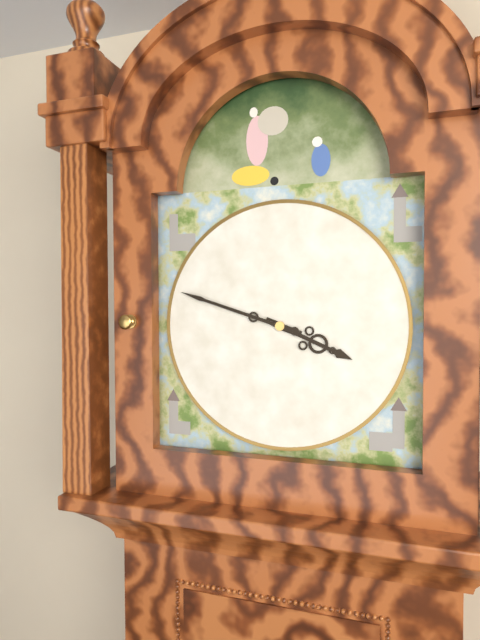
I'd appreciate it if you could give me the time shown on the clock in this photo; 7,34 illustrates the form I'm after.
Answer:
3,48
